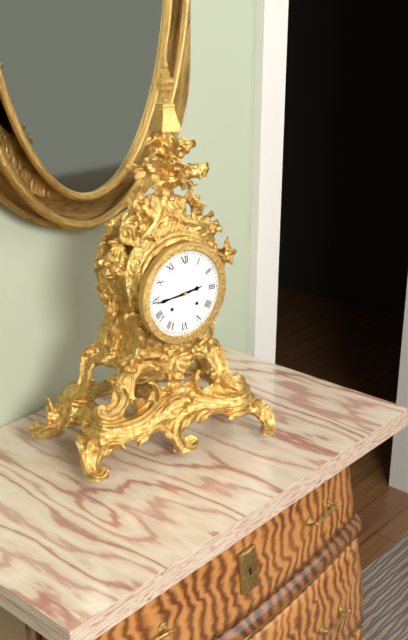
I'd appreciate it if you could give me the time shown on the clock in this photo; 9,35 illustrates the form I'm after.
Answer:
2,44
